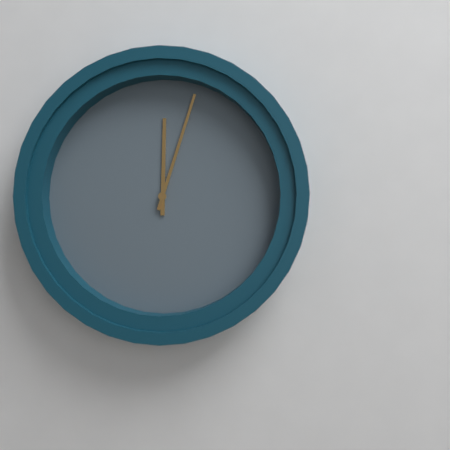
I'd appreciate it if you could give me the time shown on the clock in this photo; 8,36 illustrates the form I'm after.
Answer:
12,03
